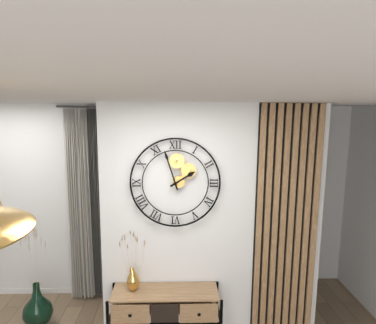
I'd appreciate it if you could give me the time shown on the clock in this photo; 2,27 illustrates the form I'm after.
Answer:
1,57
